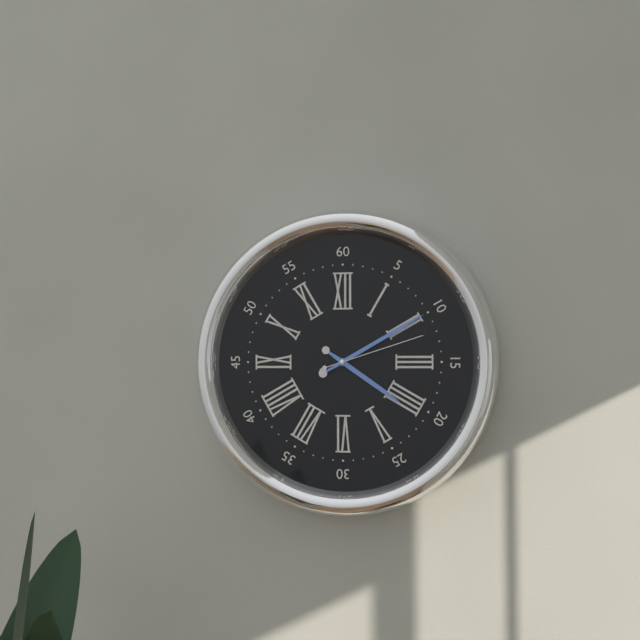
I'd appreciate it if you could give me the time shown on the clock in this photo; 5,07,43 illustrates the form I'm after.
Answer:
4,10,12
